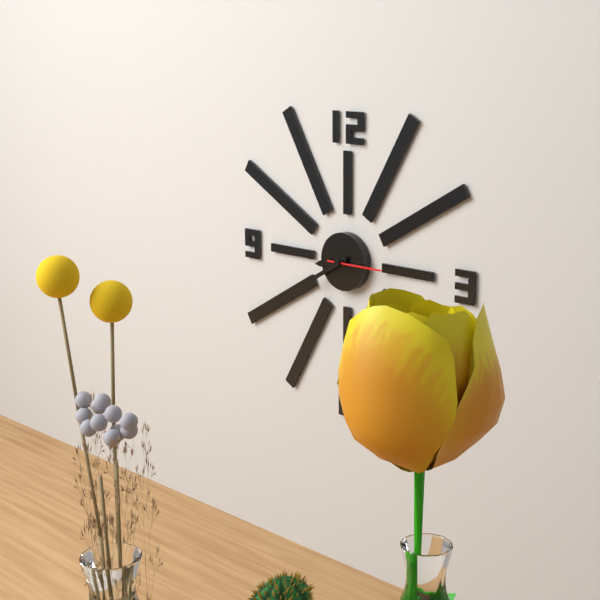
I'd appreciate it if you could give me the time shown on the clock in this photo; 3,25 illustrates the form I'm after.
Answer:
8,40
